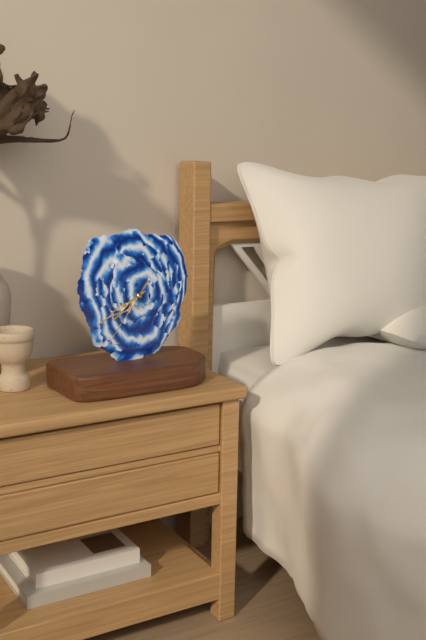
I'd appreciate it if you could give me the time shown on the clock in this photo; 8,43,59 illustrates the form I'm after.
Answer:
7,40,36
